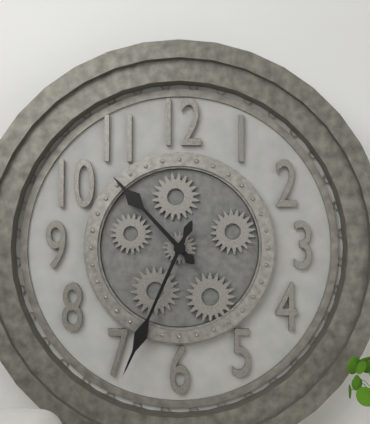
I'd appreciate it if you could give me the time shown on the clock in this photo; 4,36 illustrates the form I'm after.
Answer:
10,34
